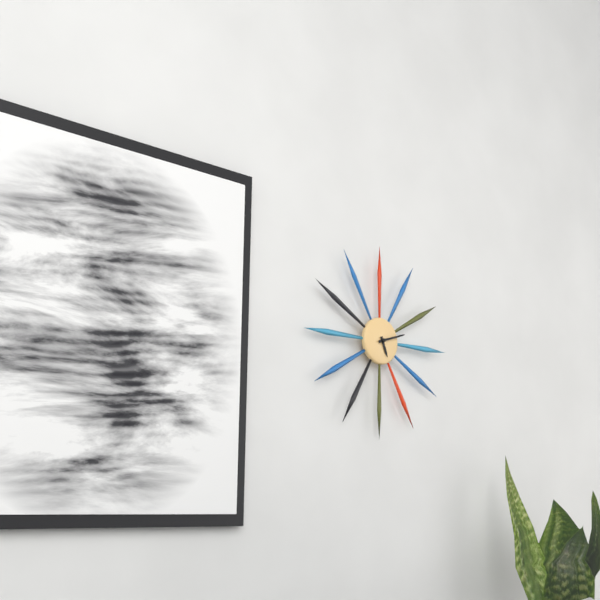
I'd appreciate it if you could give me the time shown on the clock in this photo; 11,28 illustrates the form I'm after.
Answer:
5,12
